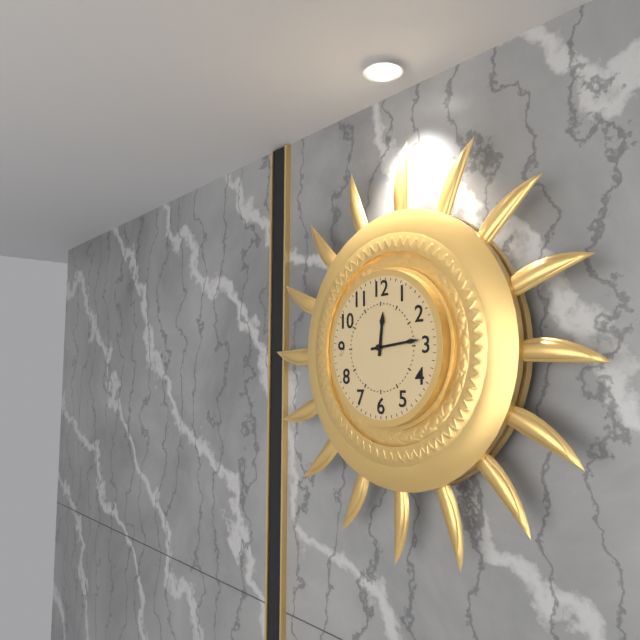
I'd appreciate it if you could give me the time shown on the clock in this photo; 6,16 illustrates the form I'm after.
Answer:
12,14
